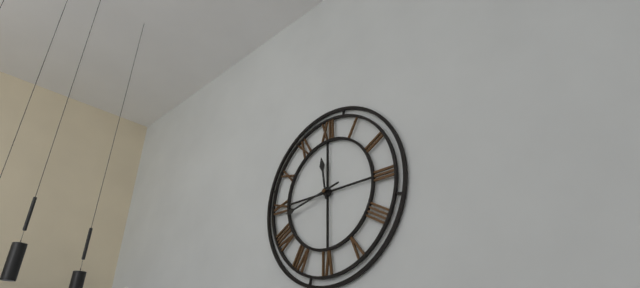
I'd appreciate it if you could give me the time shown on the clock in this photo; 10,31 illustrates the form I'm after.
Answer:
11,43
